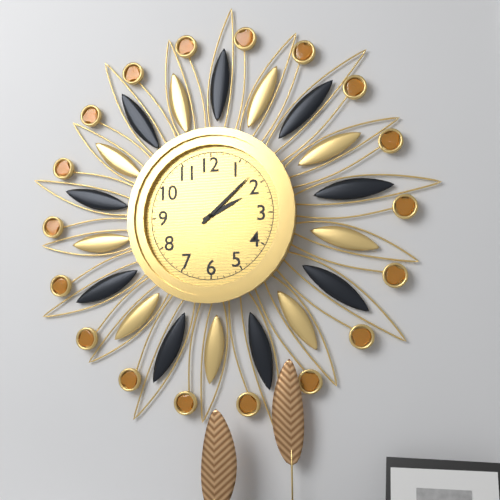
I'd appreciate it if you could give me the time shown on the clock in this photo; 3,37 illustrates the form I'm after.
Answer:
2,08
